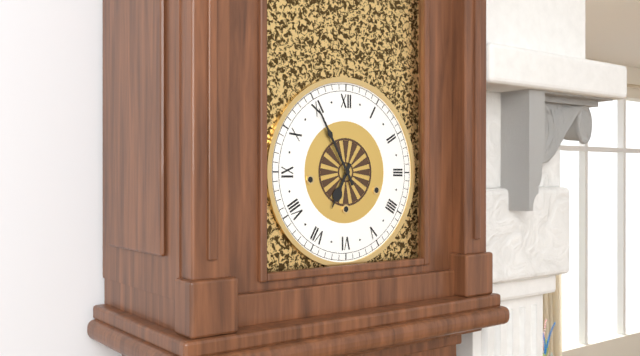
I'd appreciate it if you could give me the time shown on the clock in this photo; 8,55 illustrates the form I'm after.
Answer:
6,55
